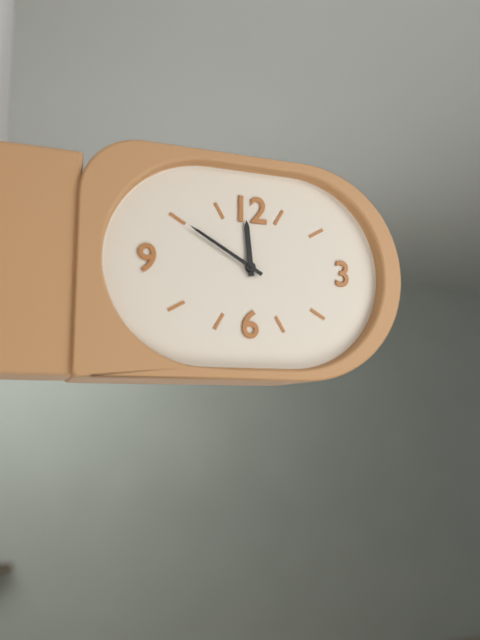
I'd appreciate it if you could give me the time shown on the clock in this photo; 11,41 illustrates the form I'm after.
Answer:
11,50
